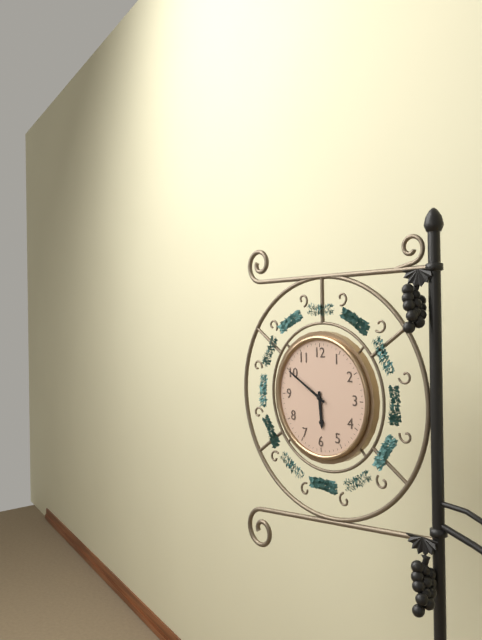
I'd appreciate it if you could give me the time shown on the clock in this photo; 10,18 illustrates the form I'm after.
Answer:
5,50
